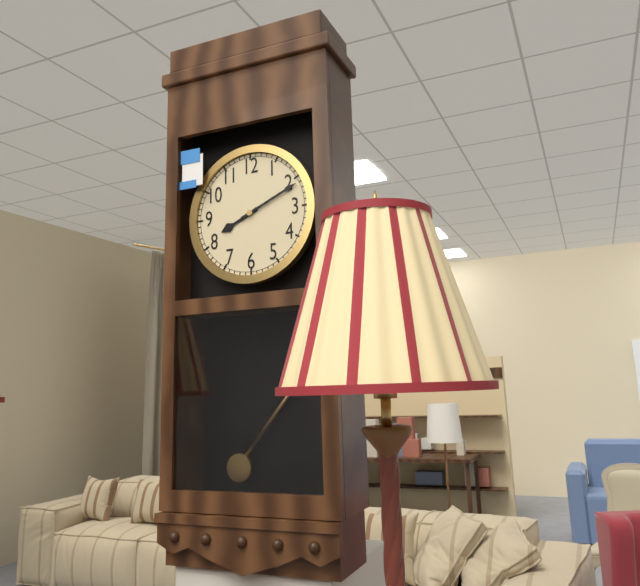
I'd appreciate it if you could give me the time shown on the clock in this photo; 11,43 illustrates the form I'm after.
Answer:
8,11
